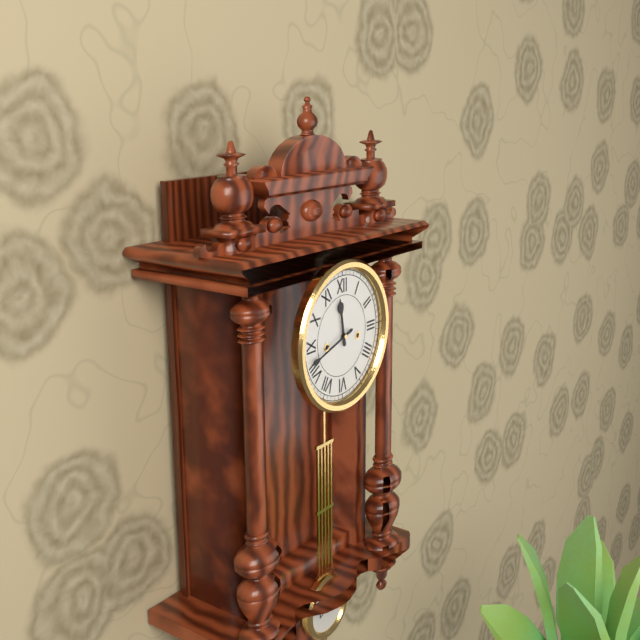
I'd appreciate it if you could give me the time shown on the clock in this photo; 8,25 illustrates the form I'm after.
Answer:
11,42
